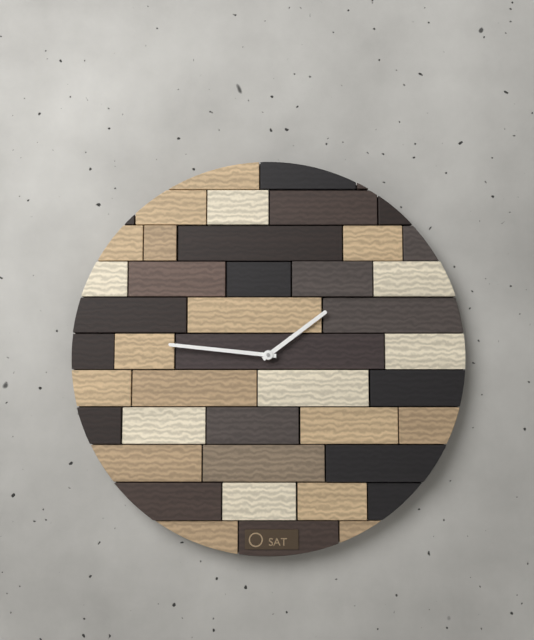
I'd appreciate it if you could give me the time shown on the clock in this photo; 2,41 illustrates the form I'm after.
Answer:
1,46
